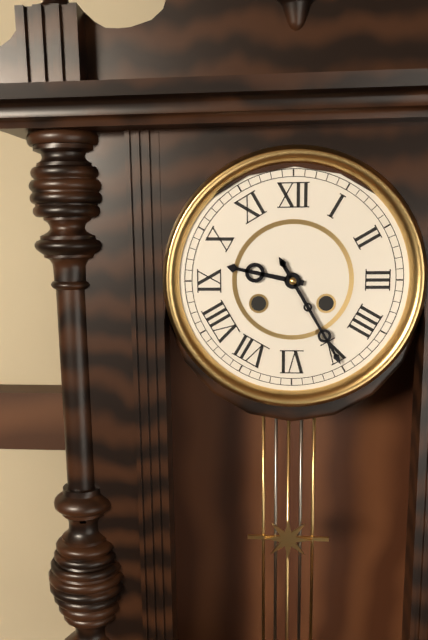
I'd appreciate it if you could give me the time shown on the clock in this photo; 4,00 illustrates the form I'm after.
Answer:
9,25
